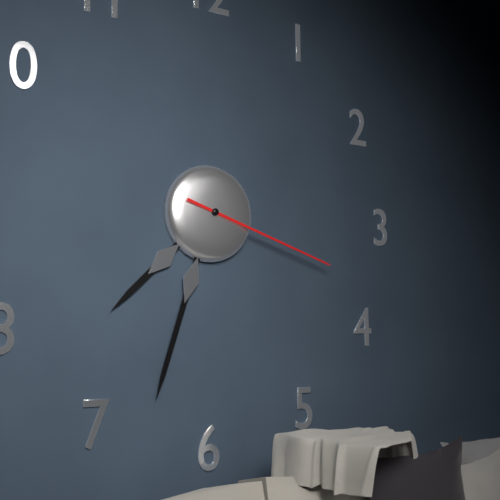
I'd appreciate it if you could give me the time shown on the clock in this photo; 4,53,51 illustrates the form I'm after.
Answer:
7,33,18
